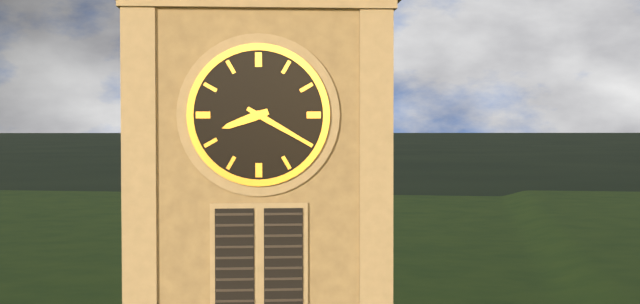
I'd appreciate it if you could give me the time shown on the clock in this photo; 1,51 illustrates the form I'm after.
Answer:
8,20
